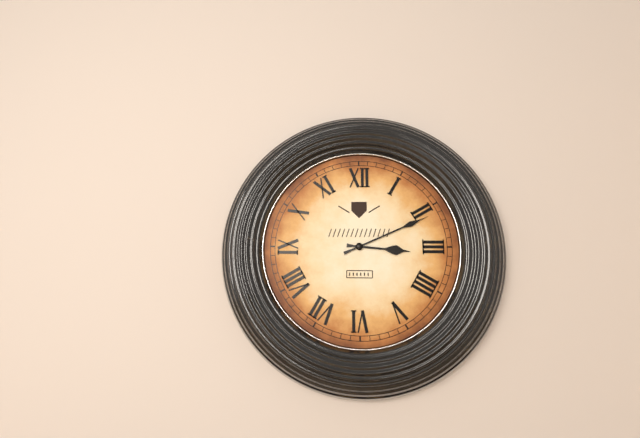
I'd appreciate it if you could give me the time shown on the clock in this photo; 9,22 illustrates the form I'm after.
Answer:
3,11
